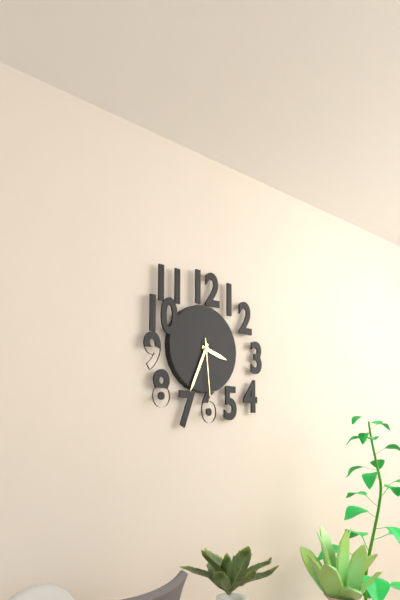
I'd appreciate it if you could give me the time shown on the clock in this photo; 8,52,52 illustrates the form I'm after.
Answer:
3,34,29
